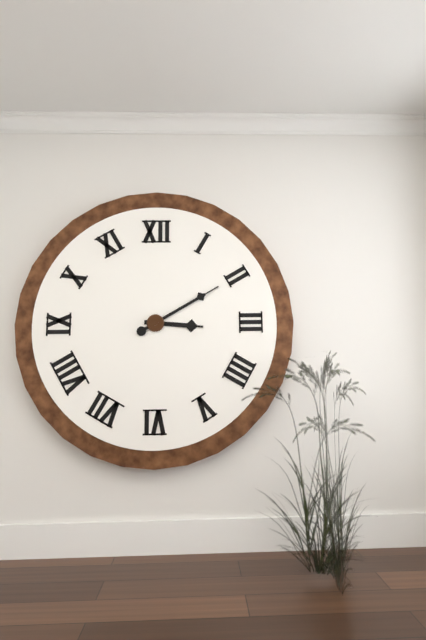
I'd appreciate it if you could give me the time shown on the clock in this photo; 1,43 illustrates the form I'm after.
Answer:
3,10
